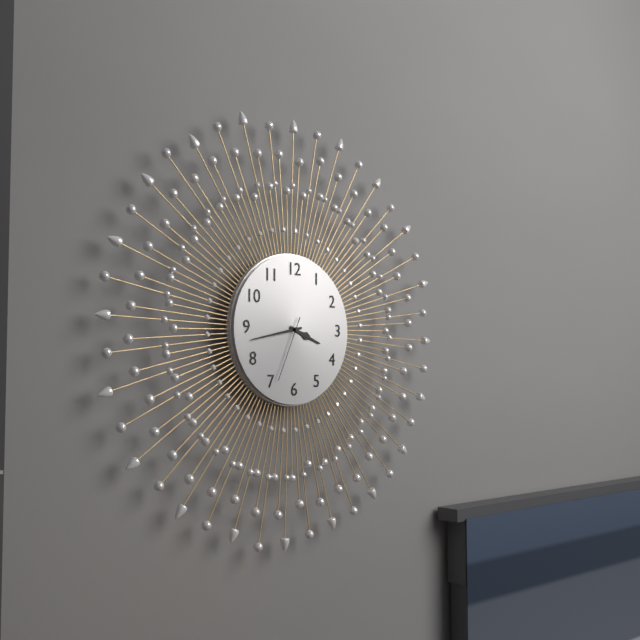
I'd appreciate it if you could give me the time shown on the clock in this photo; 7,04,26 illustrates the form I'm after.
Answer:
3,43,34
